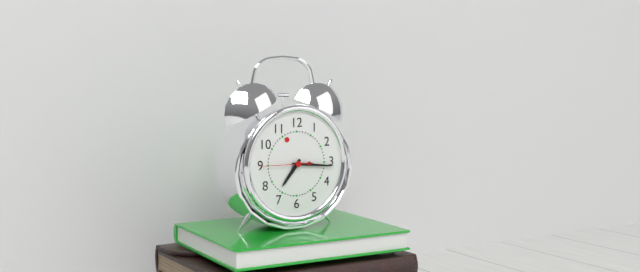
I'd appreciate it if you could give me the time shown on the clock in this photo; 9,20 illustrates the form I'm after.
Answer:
7,16
